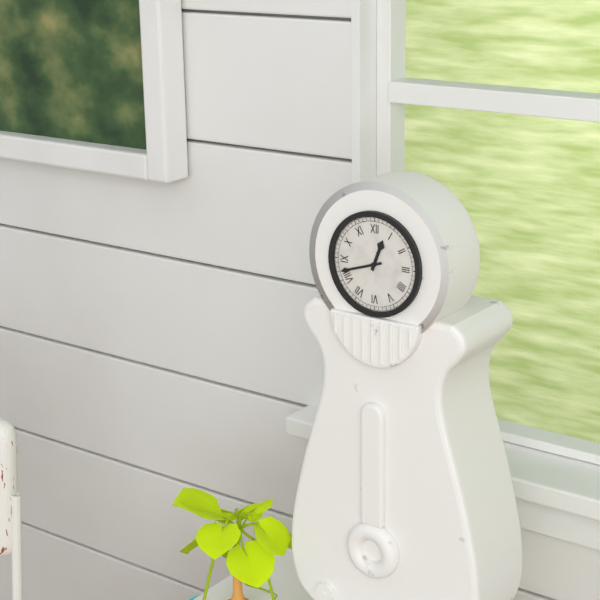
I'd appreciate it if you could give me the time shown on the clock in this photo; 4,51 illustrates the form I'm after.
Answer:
12,42
